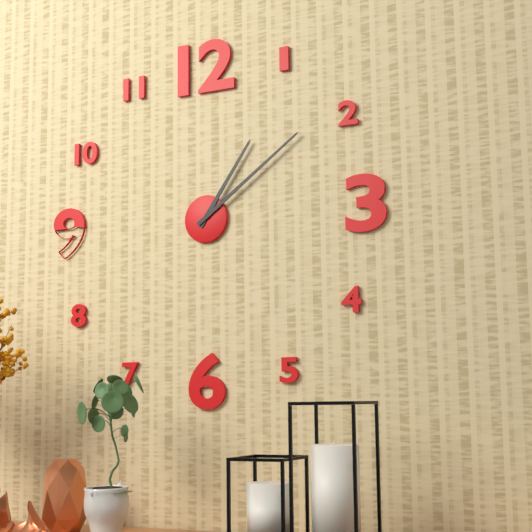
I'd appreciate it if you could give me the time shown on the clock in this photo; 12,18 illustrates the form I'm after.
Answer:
1,09
